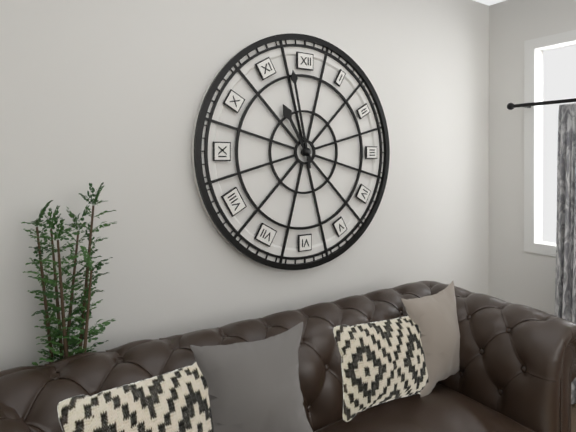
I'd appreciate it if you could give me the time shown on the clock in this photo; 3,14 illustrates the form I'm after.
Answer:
10,58
